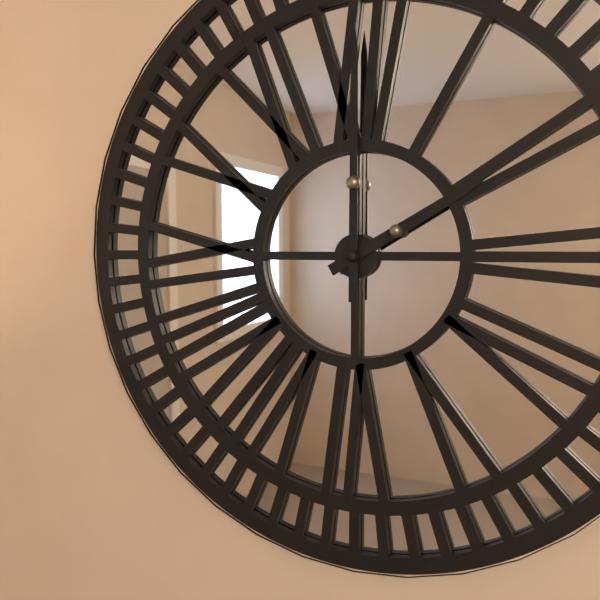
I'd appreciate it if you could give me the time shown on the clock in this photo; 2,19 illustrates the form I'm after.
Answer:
2,00
